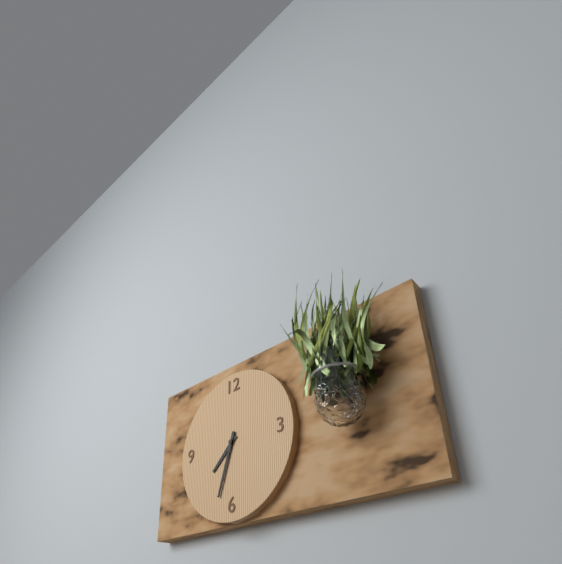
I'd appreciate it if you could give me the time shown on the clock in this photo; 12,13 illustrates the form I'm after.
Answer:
7,33
